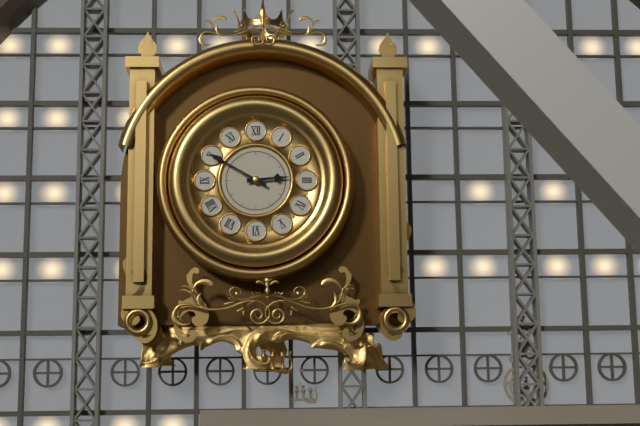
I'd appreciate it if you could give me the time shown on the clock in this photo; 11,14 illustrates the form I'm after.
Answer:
2,50
